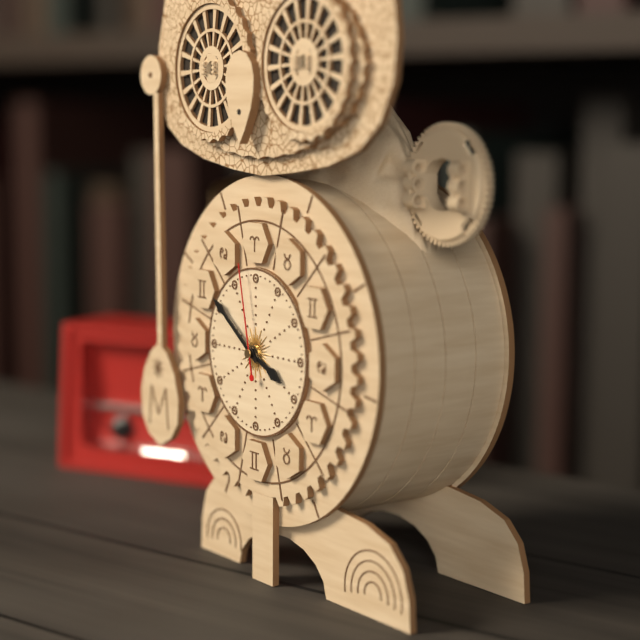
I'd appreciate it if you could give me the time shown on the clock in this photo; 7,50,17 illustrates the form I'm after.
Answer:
3,51,58
